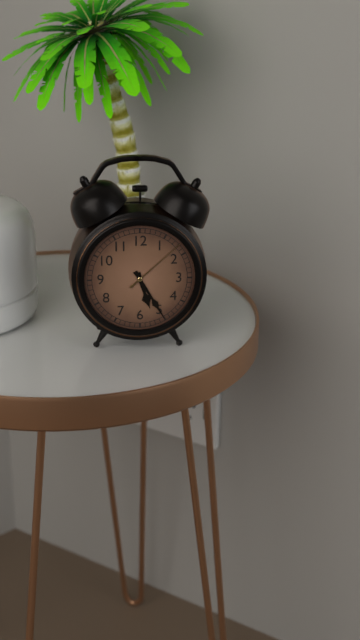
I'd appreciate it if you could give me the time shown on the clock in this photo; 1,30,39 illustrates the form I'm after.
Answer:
5,25,08
